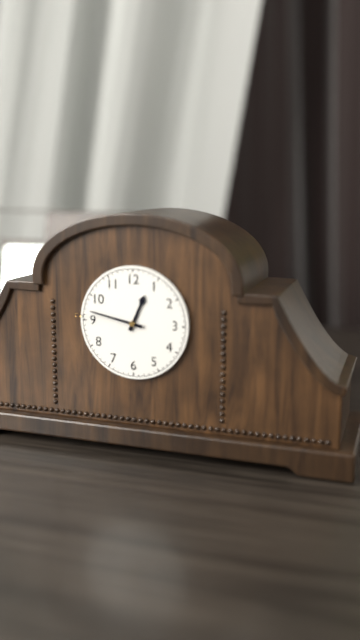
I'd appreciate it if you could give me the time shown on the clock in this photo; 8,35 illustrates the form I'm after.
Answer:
12,47
